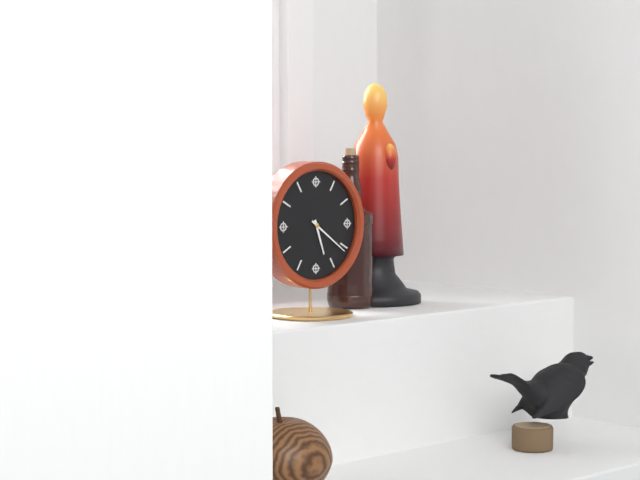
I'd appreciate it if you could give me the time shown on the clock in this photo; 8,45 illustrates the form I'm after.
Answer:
5,21
